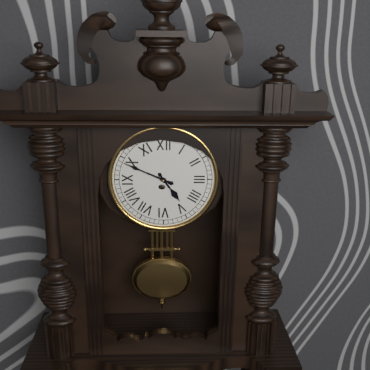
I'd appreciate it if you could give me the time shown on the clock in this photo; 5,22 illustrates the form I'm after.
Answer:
4,49
